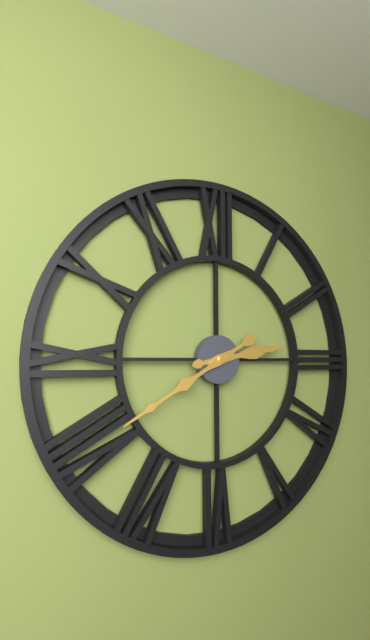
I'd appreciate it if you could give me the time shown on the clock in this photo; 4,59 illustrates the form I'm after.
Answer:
2,40
